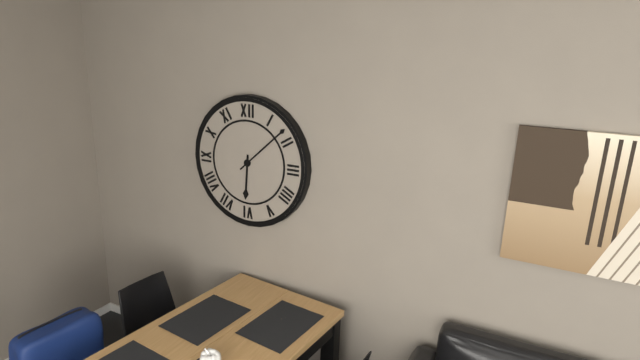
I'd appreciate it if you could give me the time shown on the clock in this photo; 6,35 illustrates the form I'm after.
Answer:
6,08
